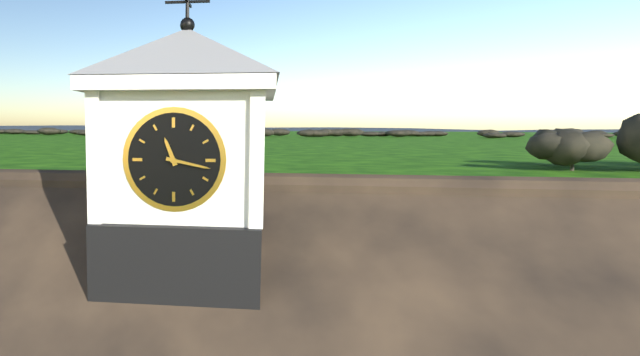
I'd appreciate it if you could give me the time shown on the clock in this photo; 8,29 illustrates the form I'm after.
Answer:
11,17
